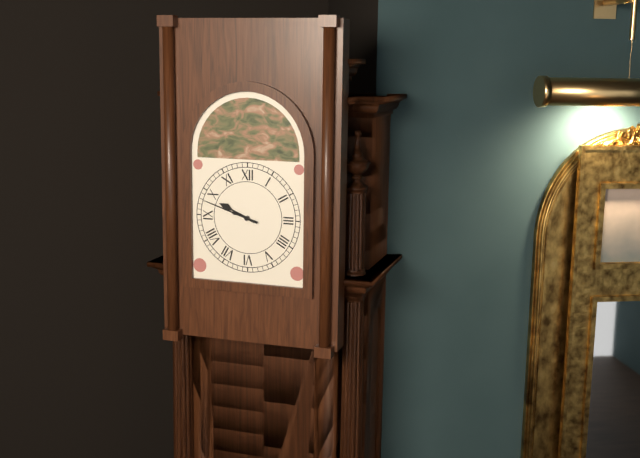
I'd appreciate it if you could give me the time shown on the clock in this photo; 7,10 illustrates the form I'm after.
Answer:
9,48
